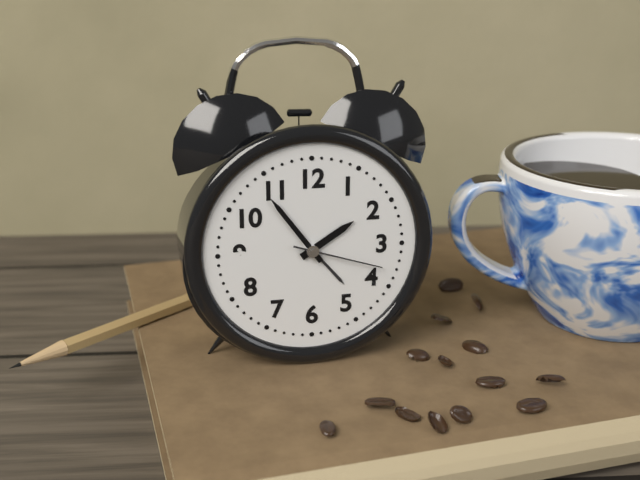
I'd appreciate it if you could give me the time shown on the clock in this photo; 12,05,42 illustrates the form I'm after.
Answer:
1,54,18
